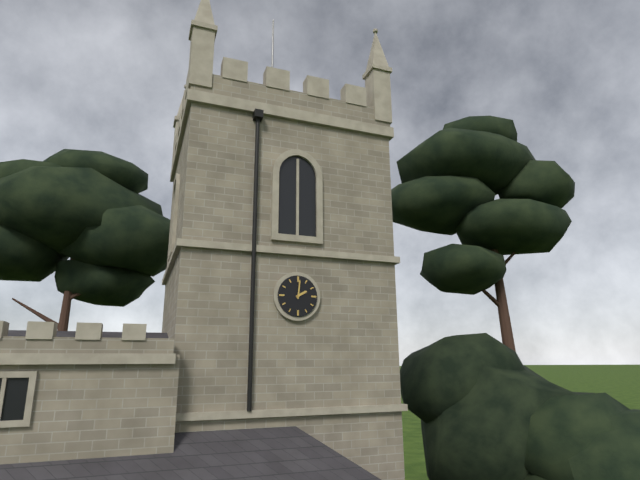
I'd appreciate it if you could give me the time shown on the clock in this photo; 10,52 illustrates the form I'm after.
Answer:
2,01
